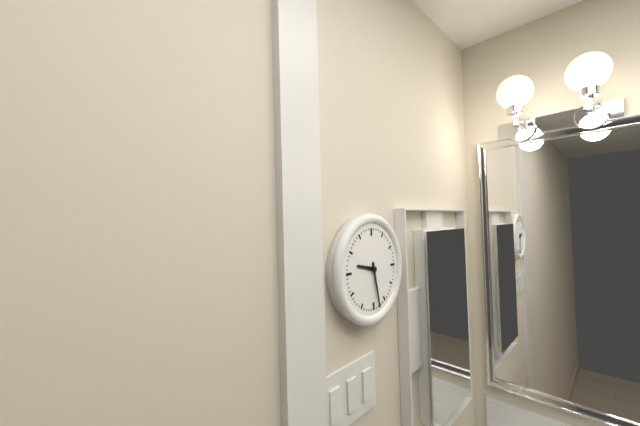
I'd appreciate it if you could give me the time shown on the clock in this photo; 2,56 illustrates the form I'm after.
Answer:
9,28
